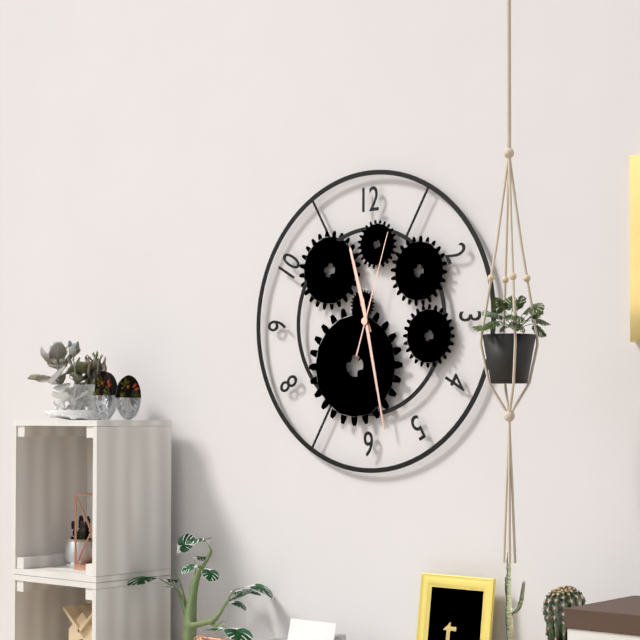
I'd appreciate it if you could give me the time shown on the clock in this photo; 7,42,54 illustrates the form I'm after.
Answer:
11,28,03
